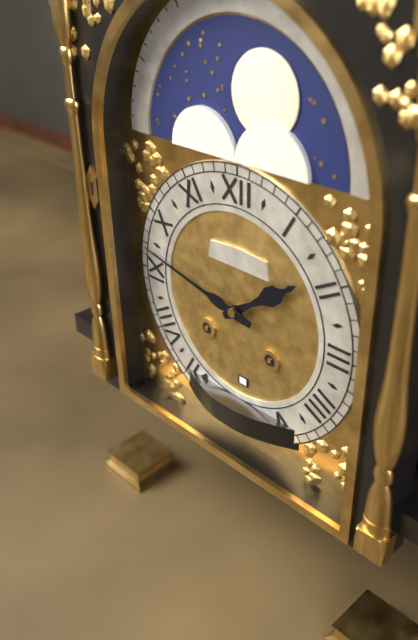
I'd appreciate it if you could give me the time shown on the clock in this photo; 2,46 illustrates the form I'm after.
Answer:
1,47
